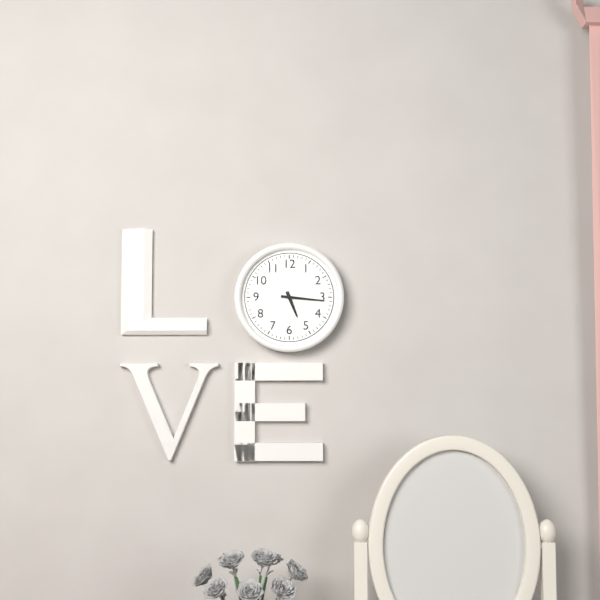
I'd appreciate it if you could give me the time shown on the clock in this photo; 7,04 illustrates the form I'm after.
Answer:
5,16
